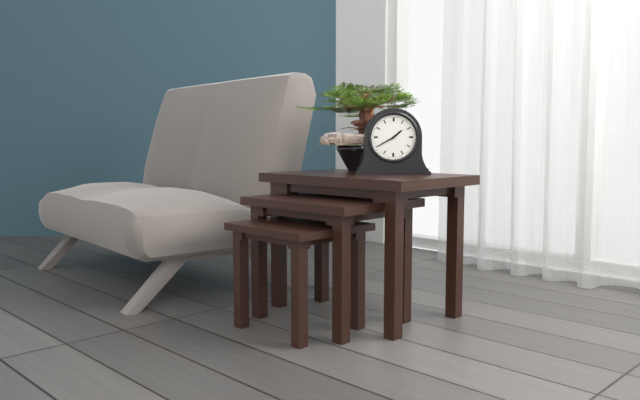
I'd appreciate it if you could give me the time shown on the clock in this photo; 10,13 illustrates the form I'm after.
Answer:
1,40
